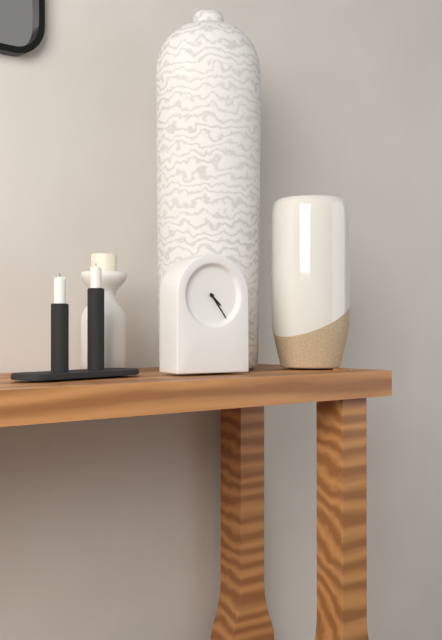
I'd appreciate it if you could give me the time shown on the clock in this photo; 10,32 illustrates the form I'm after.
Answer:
4,24
